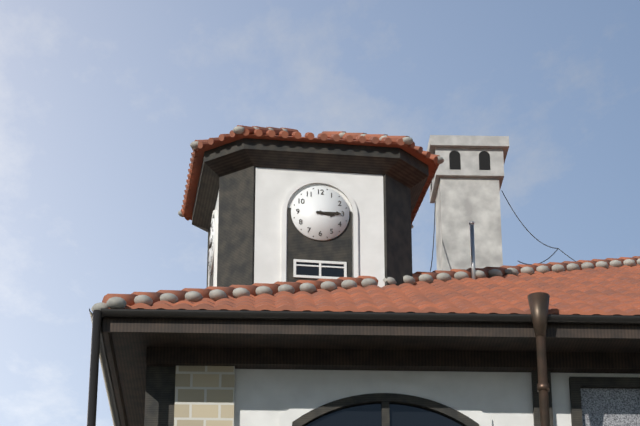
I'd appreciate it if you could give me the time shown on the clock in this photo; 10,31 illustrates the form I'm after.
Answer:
3,15
